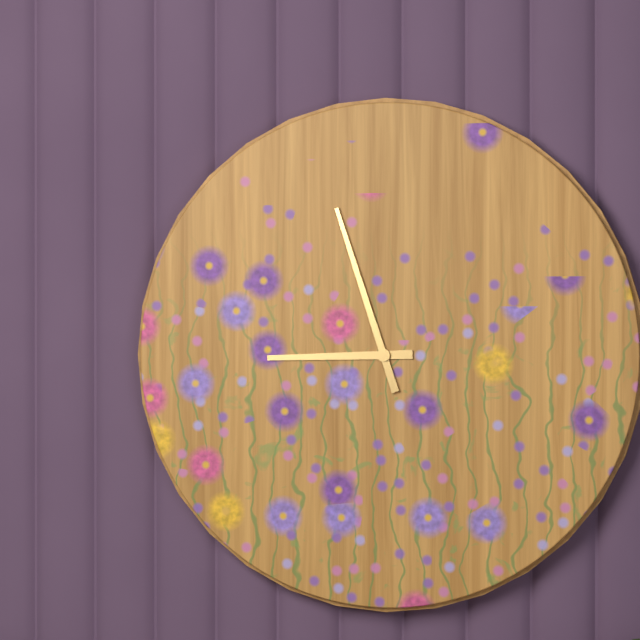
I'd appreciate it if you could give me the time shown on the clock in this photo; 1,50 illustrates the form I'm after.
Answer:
8,57
